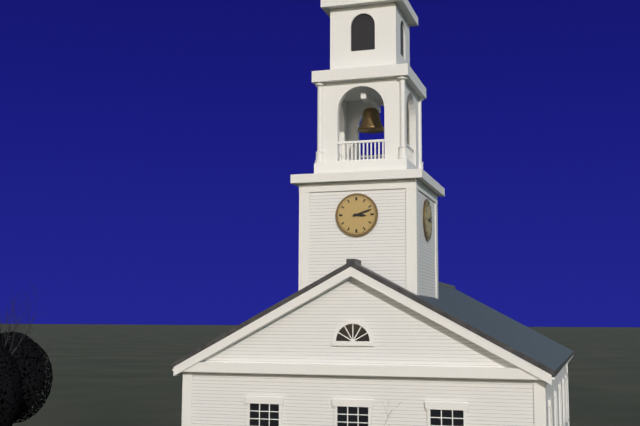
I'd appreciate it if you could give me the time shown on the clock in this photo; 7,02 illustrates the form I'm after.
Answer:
3,12
